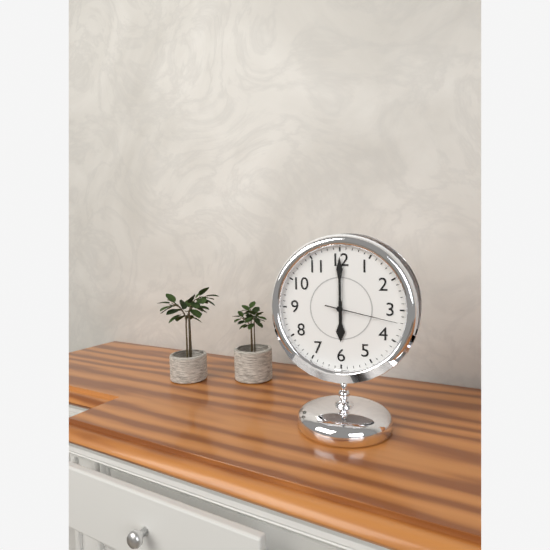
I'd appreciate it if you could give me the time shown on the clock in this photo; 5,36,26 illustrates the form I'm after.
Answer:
6,00,17
